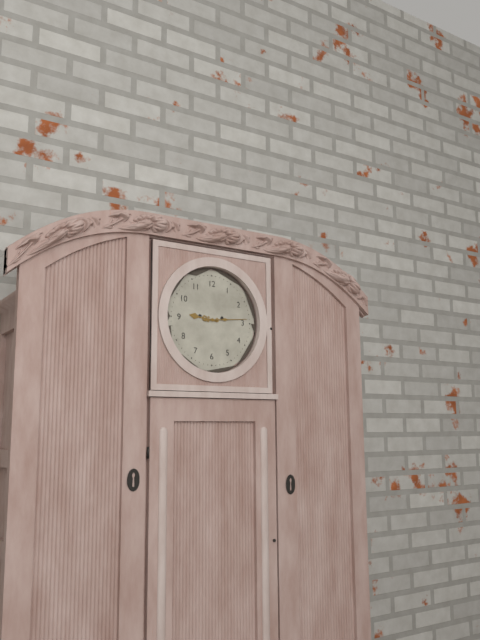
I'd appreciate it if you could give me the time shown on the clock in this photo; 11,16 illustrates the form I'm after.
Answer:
9,14
